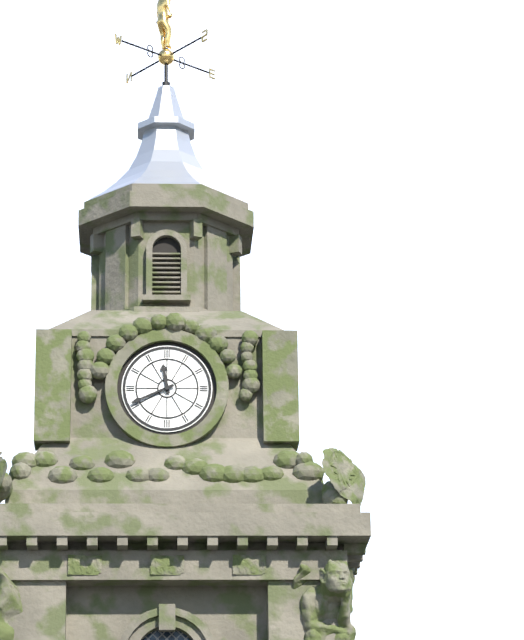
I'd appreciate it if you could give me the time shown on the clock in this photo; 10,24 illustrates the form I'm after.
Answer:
11,41
